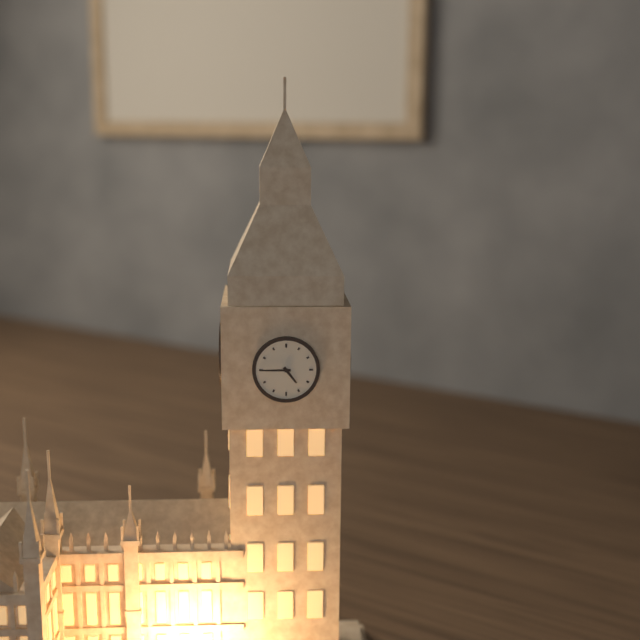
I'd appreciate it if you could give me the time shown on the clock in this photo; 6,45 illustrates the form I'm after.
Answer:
4,45
